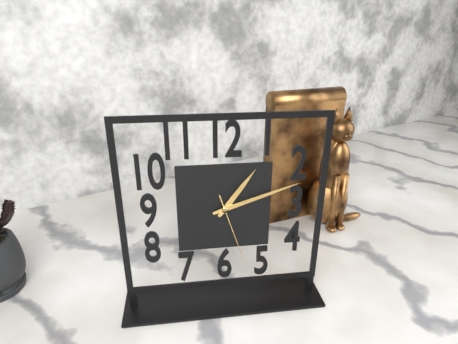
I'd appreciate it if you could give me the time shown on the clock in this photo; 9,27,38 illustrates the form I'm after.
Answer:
1,12,27
